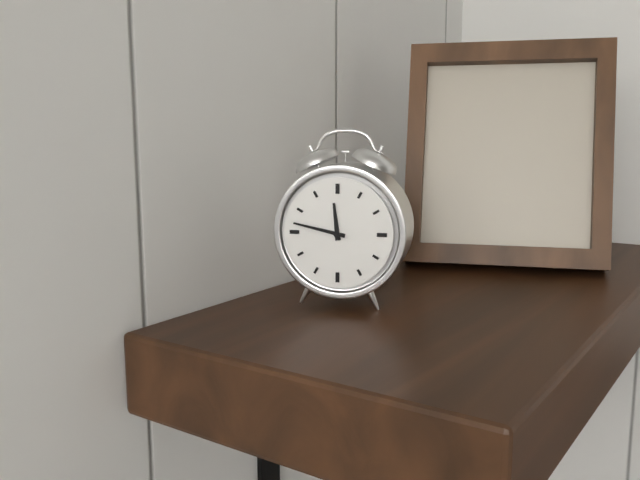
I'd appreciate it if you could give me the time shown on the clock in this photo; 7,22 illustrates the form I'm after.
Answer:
11,47
